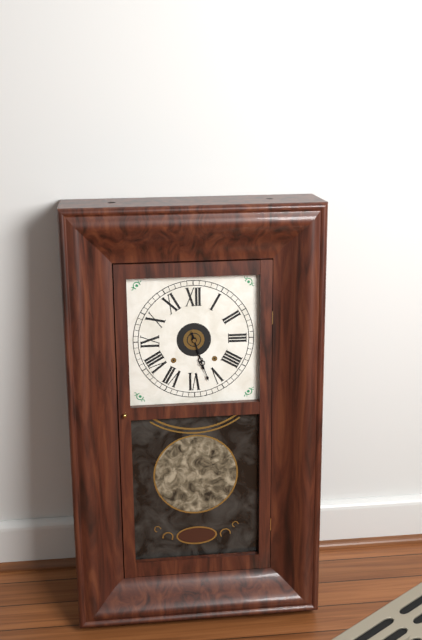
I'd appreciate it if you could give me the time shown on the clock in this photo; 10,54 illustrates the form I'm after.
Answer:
5,27
